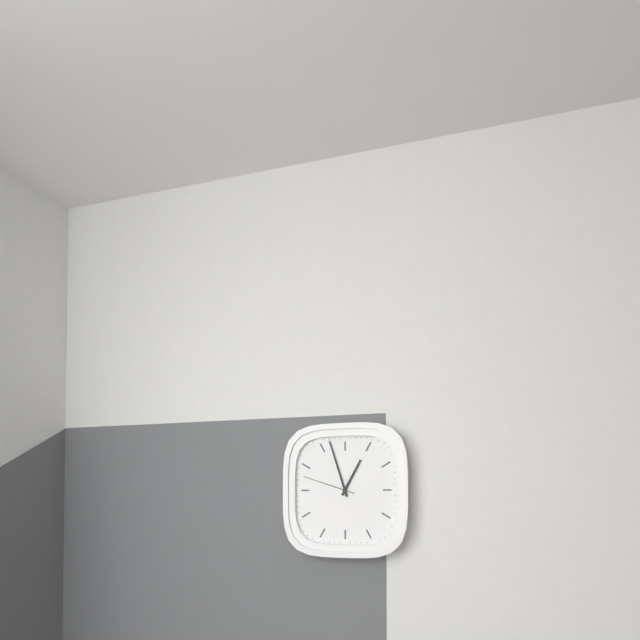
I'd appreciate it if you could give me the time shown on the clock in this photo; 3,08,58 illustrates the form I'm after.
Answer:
12,57,48
